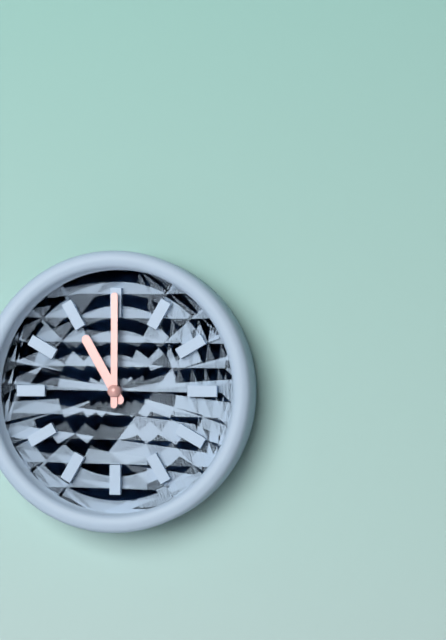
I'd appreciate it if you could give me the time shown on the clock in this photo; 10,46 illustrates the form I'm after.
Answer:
11,00
